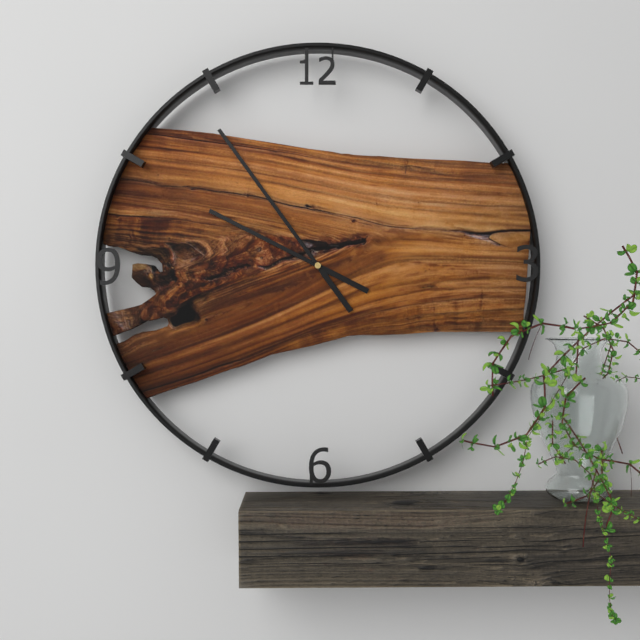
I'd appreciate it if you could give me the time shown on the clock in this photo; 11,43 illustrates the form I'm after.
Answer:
9,54
